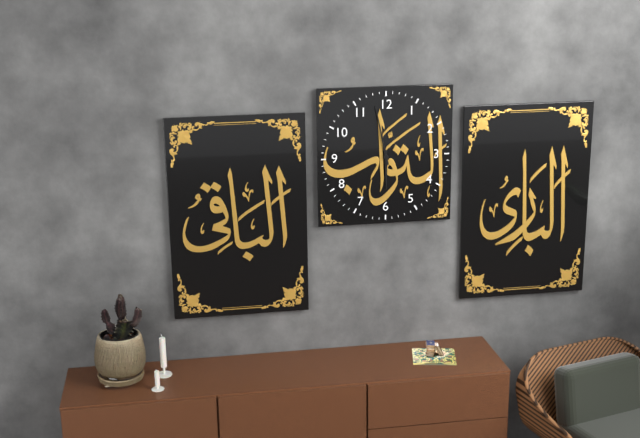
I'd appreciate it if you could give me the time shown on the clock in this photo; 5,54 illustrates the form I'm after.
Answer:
5,58
